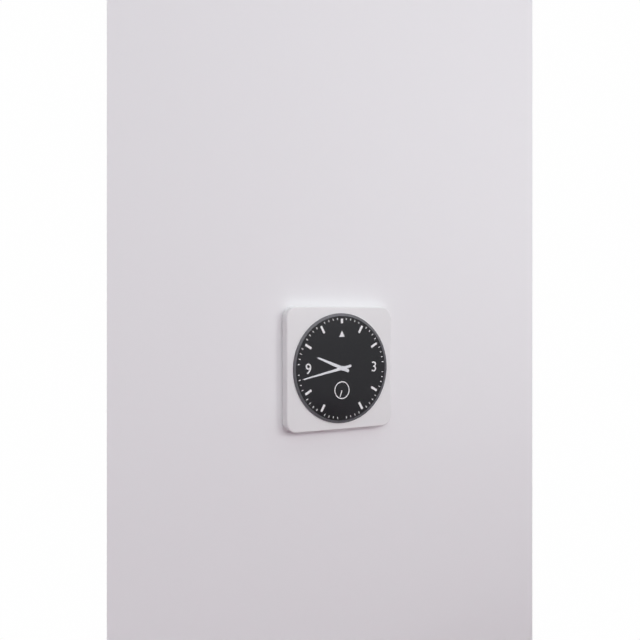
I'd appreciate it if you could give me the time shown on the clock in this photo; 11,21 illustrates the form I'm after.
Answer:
9,43
